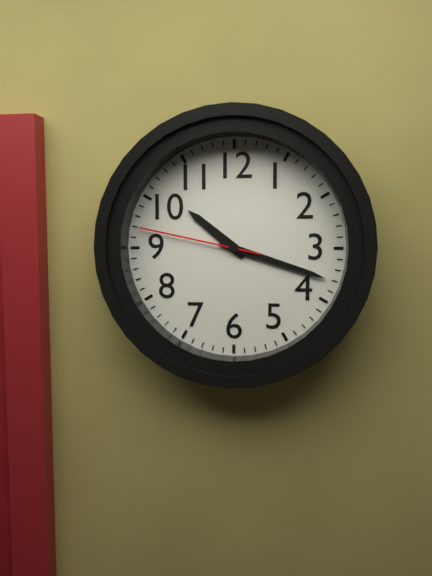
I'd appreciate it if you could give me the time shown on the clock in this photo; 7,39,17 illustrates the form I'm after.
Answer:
10,18,47
